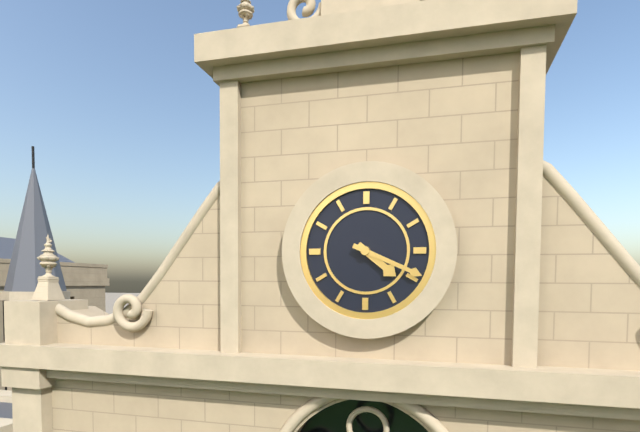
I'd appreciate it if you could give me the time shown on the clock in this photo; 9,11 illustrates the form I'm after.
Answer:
4,19
